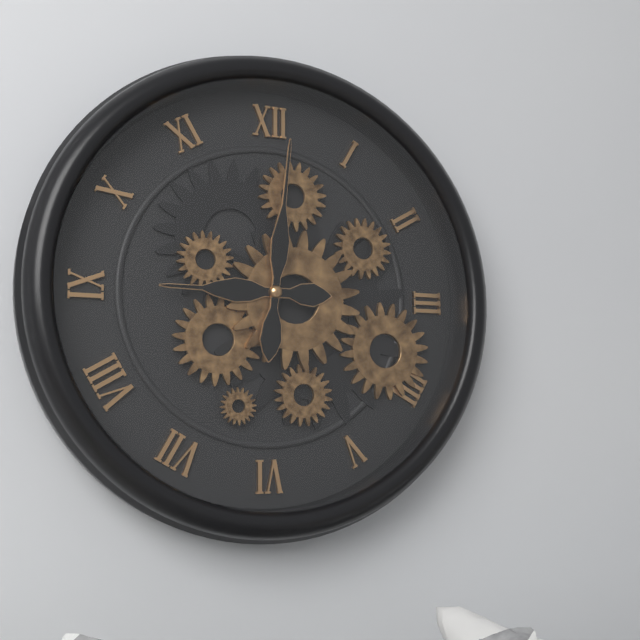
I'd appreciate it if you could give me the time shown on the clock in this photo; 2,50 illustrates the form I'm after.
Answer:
9,01
